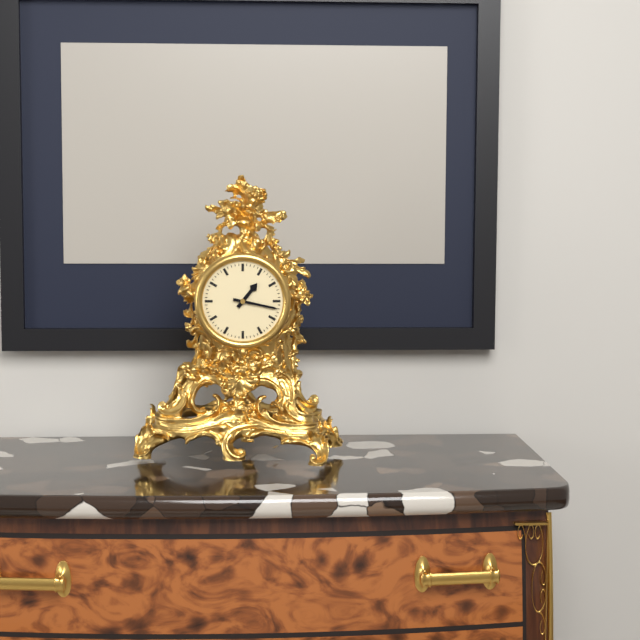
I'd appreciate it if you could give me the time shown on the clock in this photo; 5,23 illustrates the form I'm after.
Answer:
1,17
